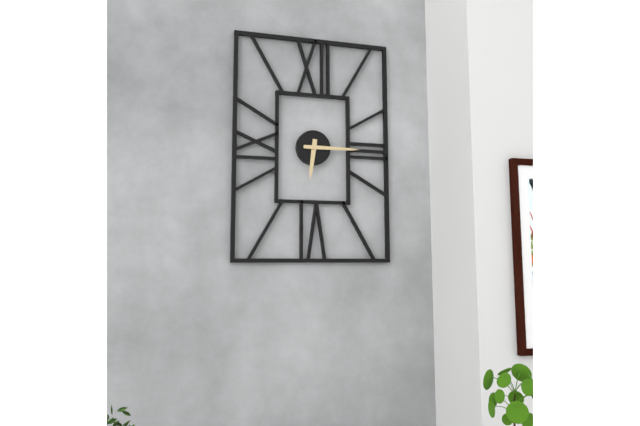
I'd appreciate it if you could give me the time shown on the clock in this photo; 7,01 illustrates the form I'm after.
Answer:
6,15
